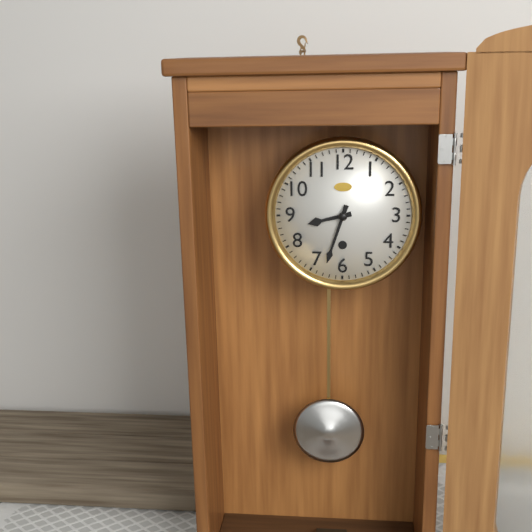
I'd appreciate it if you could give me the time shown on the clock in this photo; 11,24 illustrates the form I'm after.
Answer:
8,33
